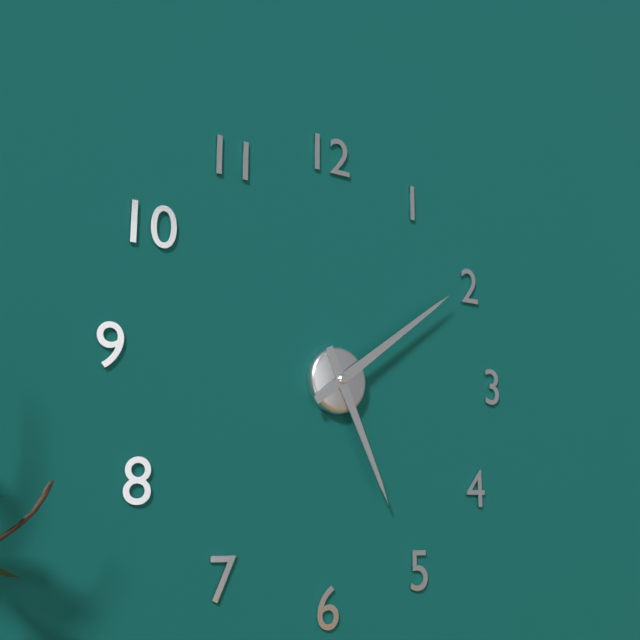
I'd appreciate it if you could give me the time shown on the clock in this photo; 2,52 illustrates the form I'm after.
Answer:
5,09
